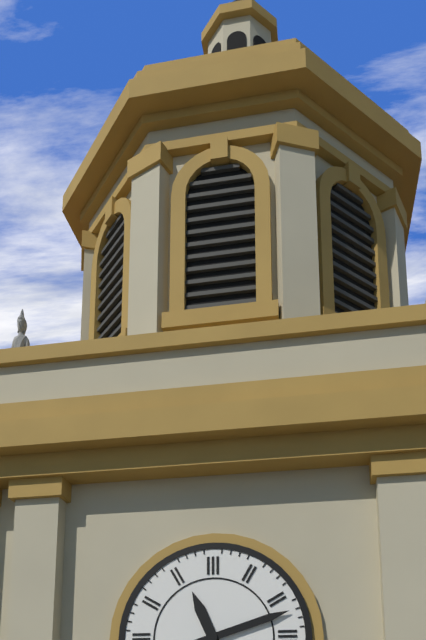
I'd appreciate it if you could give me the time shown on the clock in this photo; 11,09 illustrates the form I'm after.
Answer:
11,12
